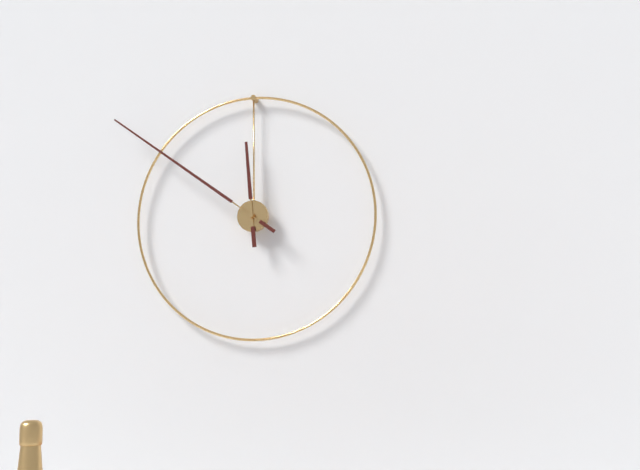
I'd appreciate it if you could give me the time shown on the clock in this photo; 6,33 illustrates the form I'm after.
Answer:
11,51
